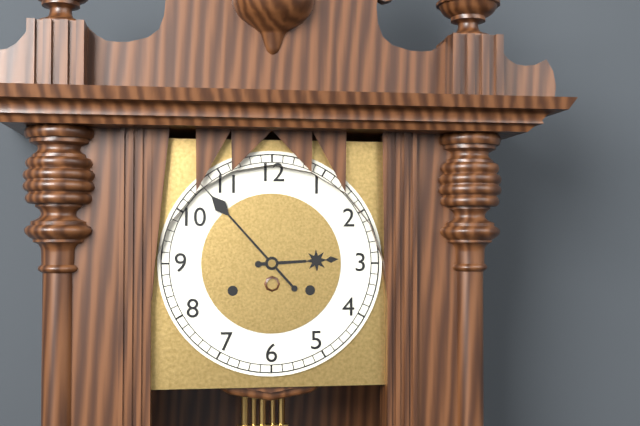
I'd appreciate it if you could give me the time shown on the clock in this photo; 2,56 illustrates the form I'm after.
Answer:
2,53
